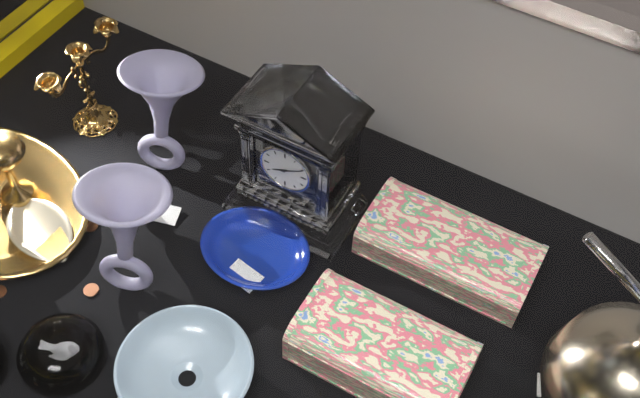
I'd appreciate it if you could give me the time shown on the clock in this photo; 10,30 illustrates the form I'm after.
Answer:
8,10
